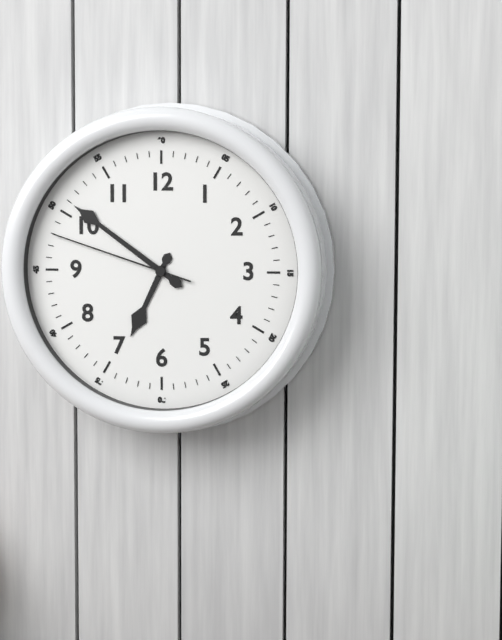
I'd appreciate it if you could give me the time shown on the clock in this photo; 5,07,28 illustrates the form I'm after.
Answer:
6,51,48
